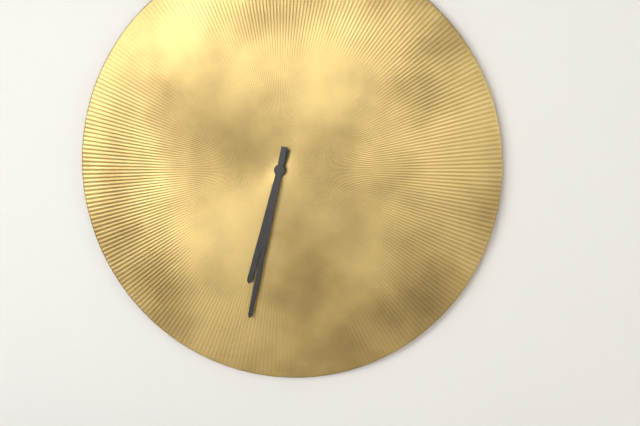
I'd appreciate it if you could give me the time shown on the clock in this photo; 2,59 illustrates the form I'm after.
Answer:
6,32
